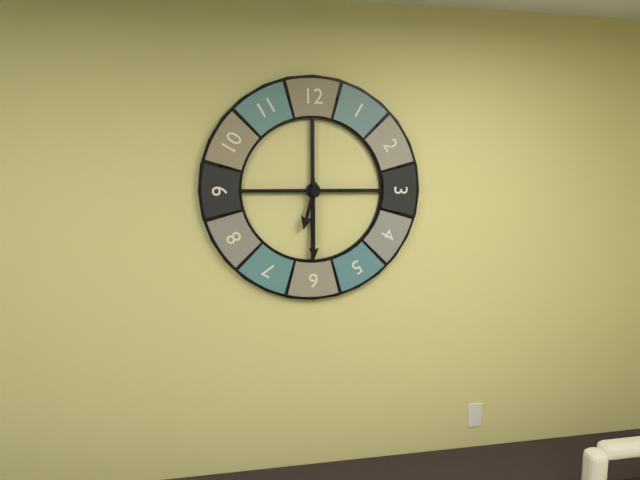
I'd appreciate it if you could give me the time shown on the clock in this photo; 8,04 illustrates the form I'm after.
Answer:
6,30
